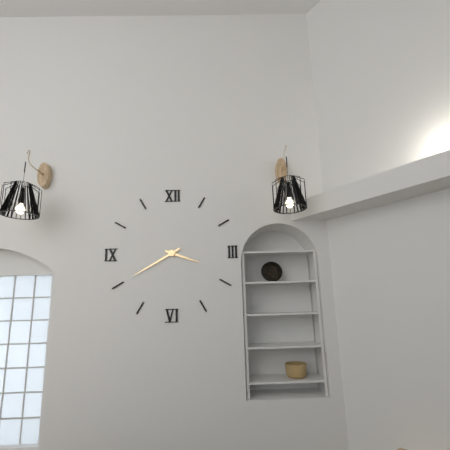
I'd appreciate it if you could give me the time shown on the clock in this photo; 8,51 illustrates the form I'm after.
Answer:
3,40
